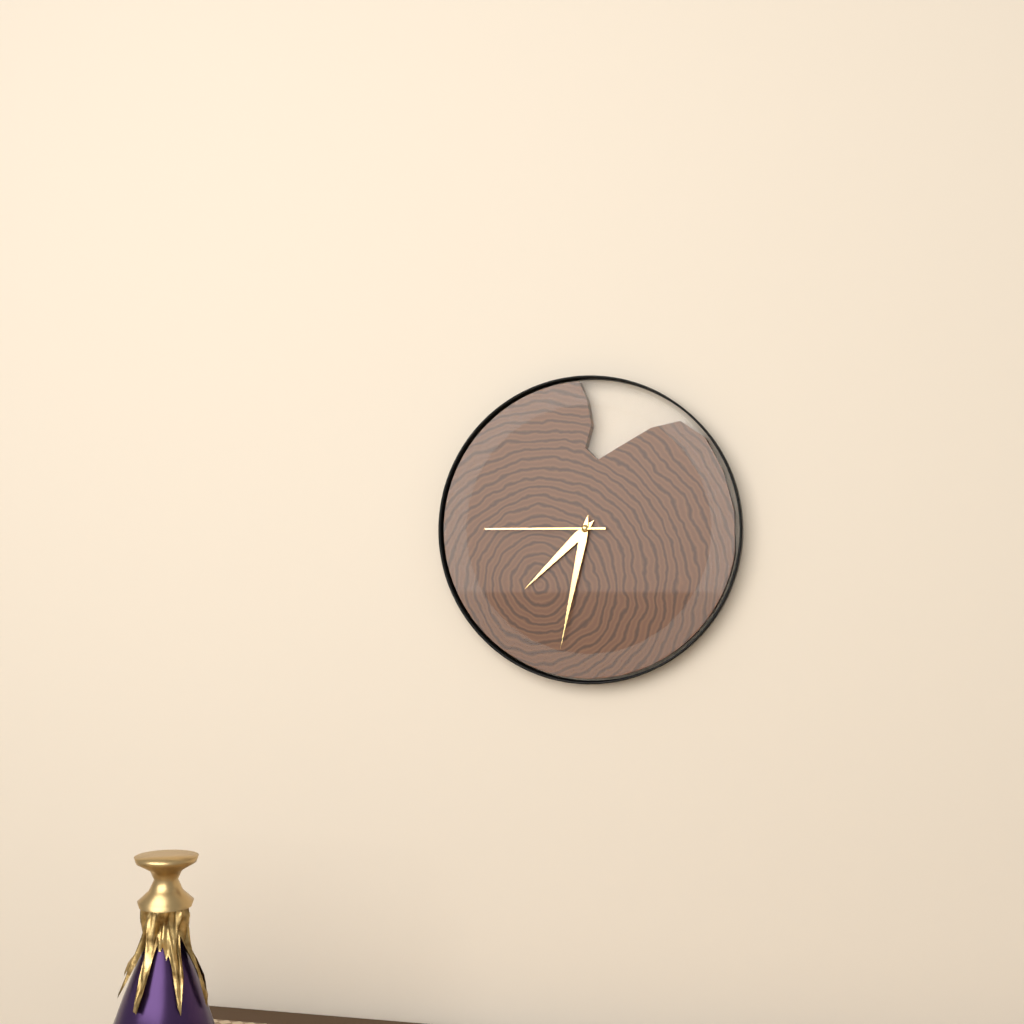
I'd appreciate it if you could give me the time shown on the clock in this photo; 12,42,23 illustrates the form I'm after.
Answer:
7,32,45
